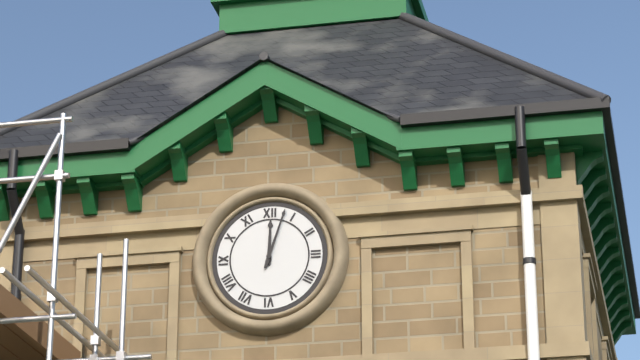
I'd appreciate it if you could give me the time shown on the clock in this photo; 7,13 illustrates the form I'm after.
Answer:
12,03
